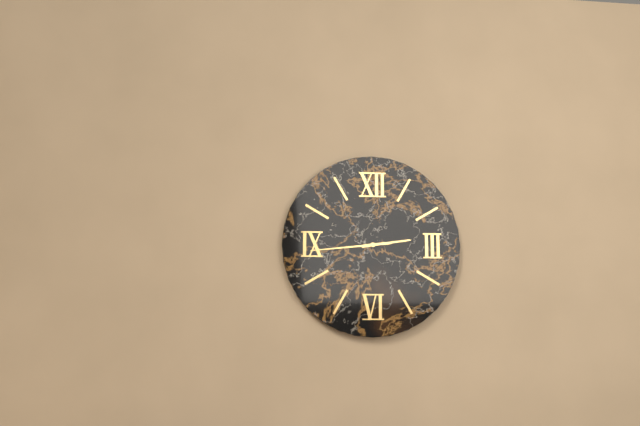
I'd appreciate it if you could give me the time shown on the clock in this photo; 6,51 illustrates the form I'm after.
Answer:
2,44
